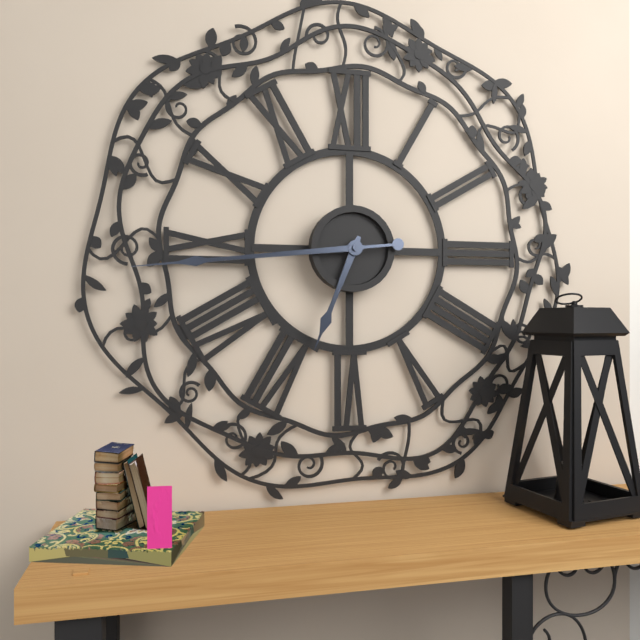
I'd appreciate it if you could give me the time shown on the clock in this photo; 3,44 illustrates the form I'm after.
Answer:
6,44
